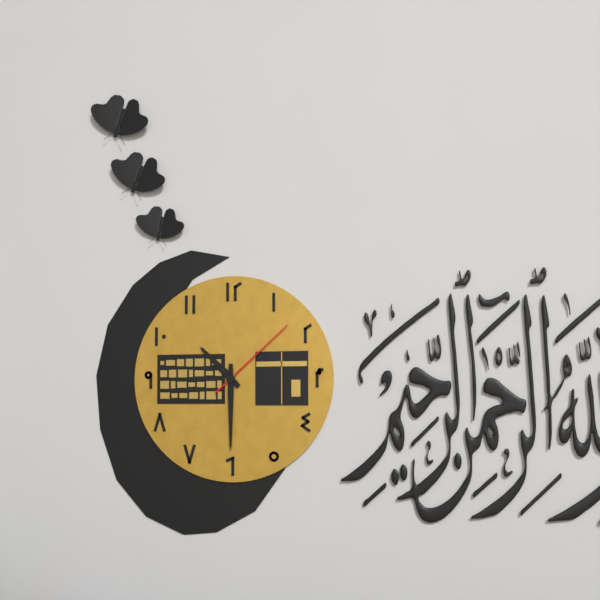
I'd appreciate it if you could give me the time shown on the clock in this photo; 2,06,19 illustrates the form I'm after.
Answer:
10,30,08
